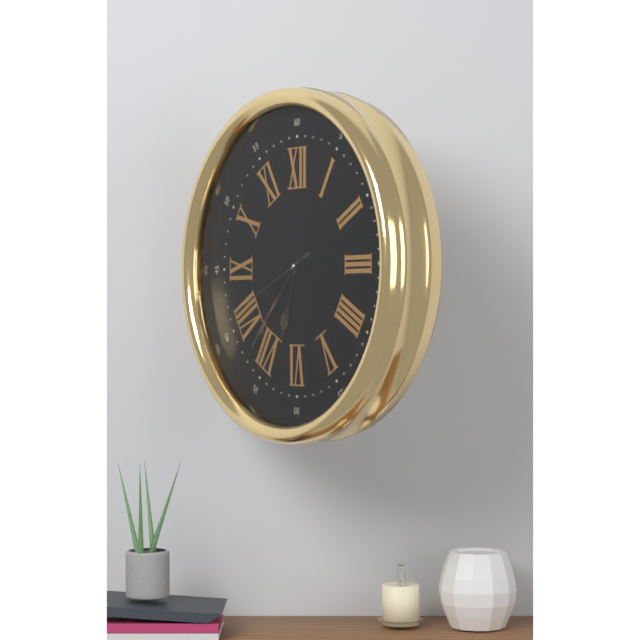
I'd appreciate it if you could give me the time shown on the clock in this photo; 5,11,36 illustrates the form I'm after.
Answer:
6,37,41
